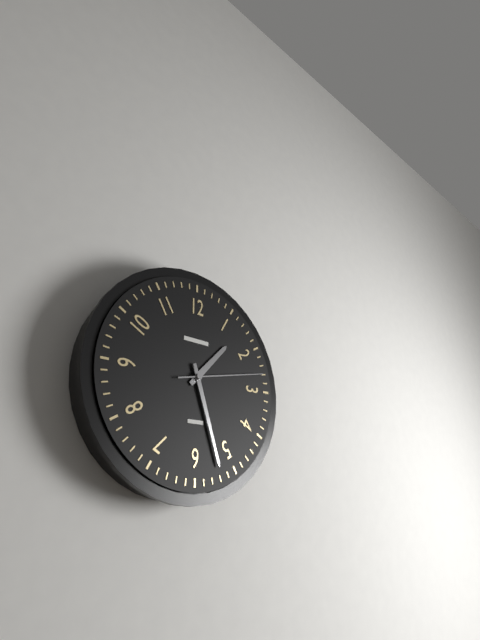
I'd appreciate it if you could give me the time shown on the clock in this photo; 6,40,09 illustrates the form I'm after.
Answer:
1,27,13
